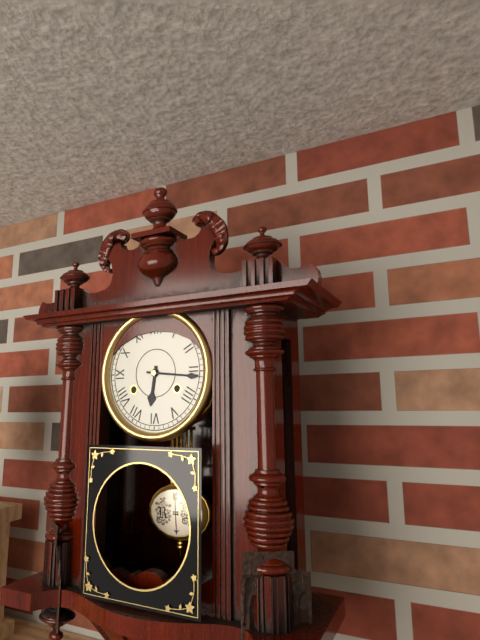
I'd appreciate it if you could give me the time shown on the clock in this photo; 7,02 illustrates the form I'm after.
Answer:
6,16
